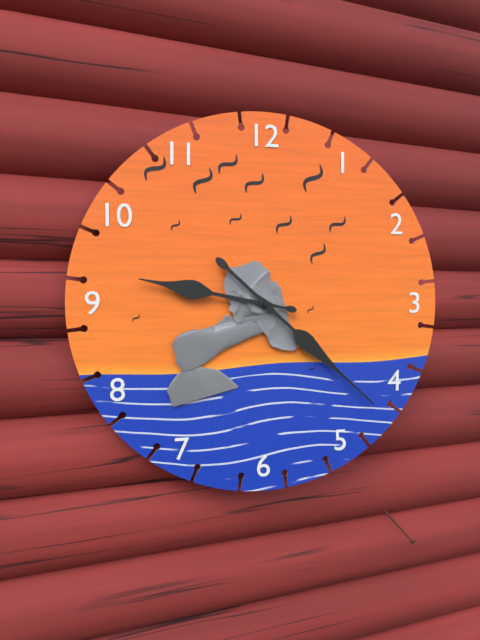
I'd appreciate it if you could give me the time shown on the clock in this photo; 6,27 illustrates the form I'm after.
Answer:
9,22
